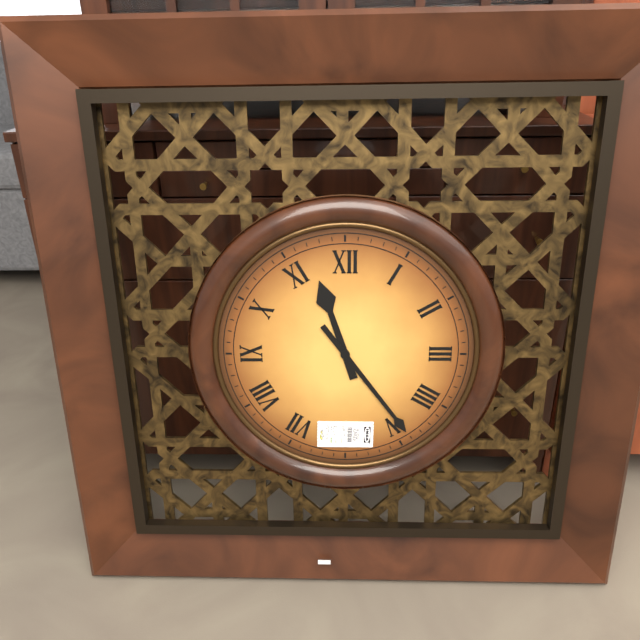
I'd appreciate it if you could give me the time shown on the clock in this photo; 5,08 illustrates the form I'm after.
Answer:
11,24
